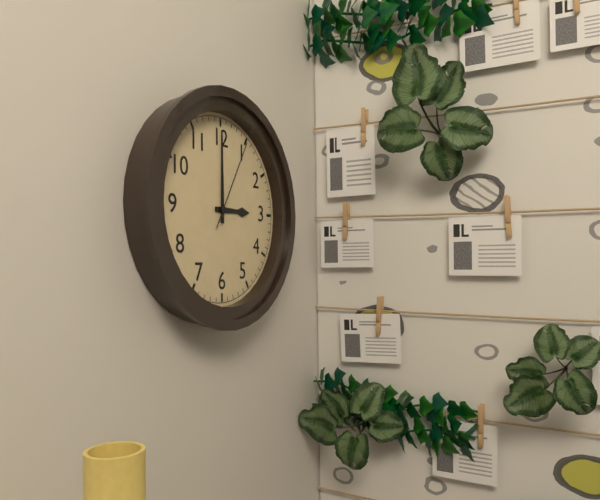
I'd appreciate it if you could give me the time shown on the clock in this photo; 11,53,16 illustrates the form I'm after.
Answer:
3,00,05
